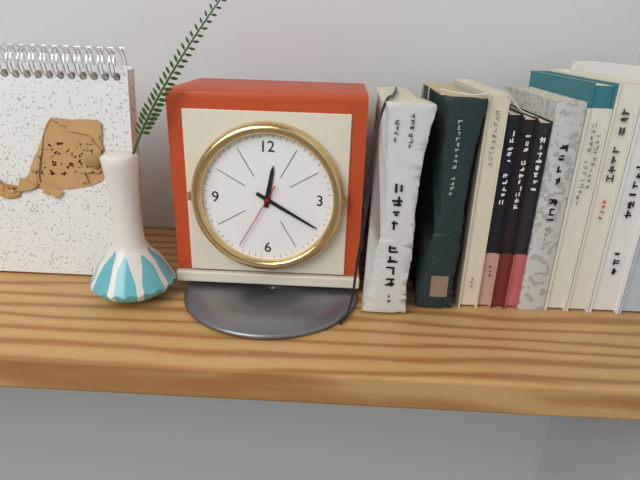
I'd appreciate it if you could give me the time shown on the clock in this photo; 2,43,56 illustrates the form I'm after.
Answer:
12,20,35
